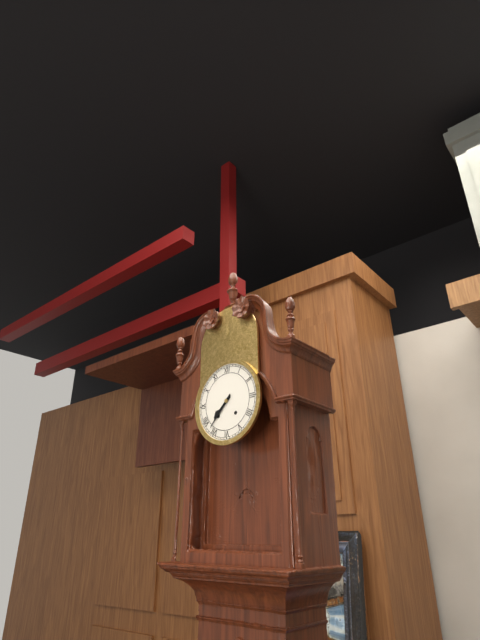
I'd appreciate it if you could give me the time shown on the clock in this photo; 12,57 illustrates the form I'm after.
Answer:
7,37
